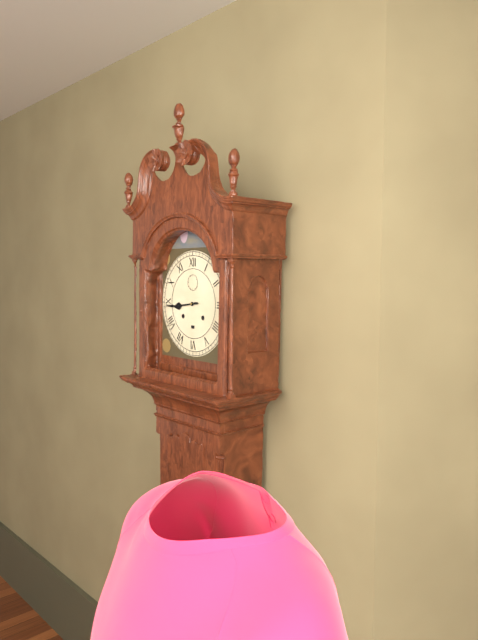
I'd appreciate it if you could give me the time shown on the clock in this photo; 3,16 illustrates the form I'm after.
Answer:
8,44
